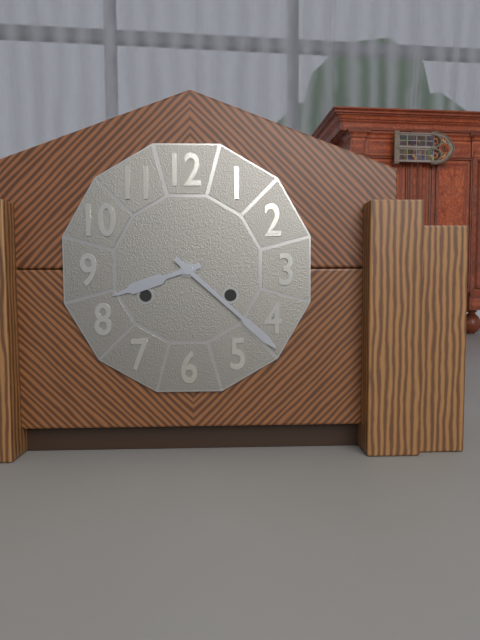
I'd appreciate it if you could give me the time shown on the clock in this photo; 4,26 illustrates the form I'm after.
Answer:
8,22
